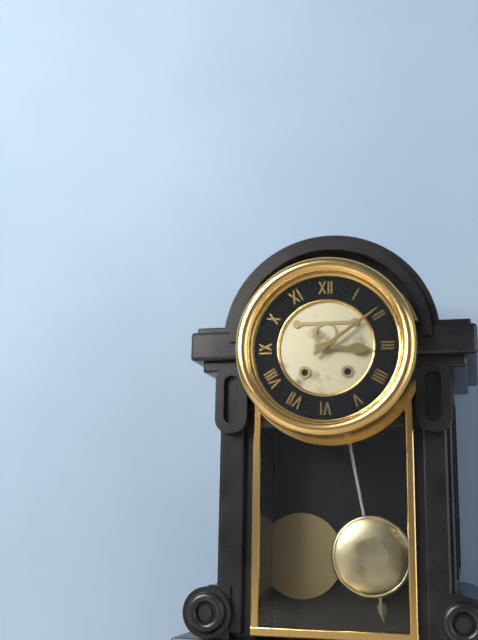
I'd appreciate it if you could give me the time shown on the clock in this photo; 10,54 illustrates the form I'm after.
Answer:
3,09
